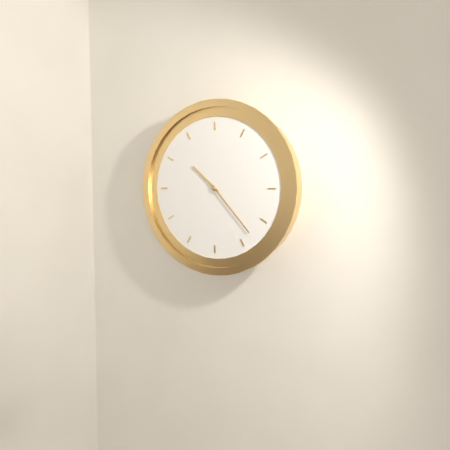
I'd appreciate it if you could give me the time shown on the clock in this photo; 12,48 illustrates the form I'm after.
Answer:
10,23
